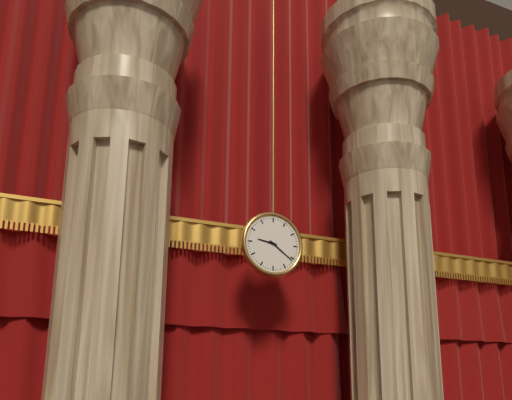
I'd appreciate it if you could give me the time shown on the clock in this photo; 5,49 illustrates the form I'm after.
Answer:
9,21
